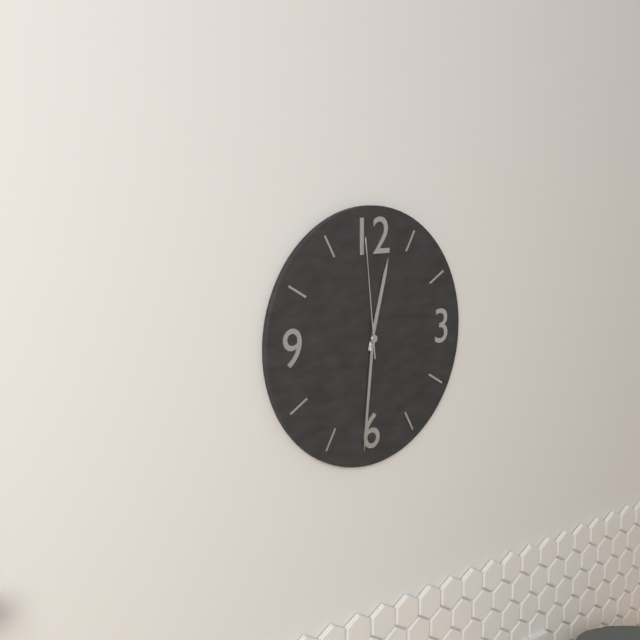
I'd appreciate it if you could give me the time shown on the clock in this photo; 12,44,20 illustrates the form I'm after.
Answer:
12,31,59
